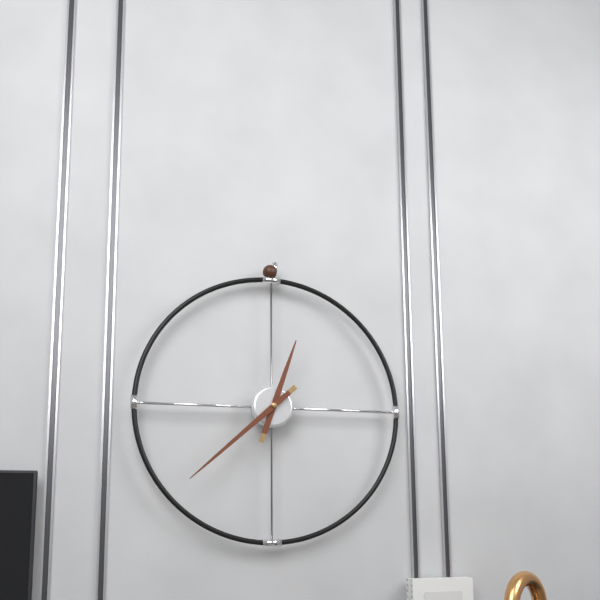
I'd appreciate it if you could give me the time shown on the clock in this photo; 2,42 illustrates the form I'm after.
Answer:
12,38
